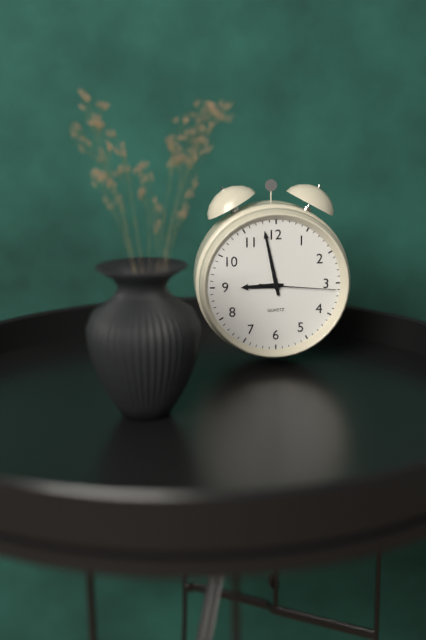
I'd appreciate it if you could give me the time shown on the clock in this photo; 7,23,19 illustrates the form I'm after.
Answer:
8,58,16
